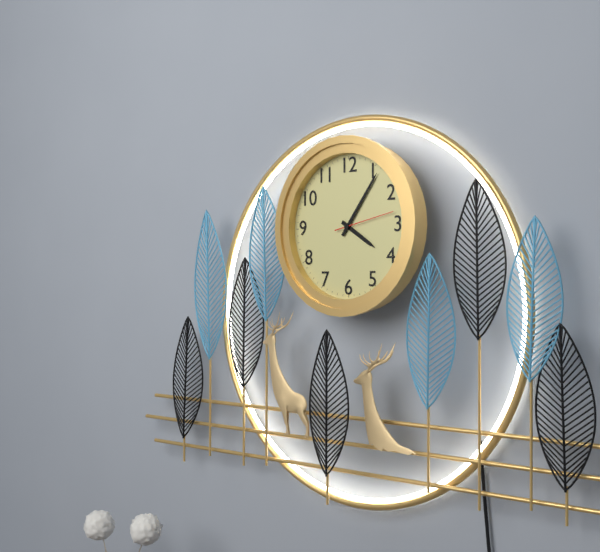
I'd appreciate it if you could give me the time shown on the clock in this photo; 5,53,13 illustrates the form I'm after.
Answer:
4,06,13
